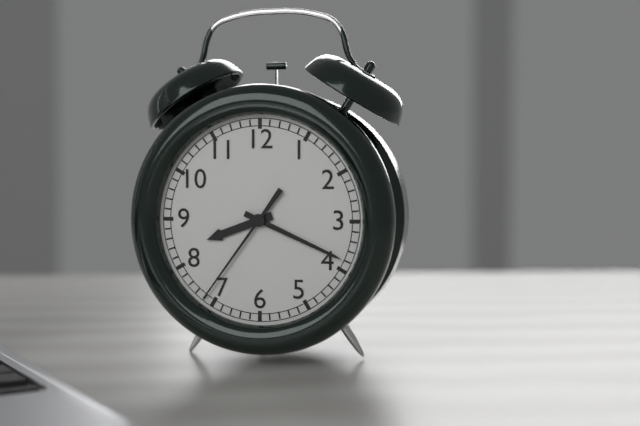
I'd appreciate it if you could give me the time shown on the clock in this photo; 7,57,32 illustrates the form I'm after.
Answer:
8,19,36
